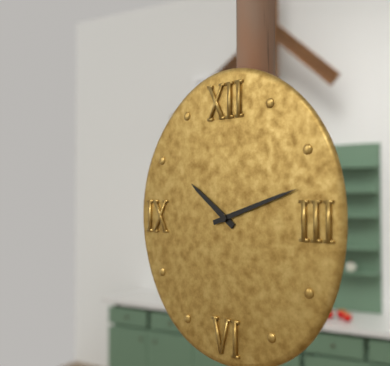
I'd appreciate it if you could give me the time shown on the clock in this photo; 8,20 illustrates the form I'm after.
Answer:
10,12
